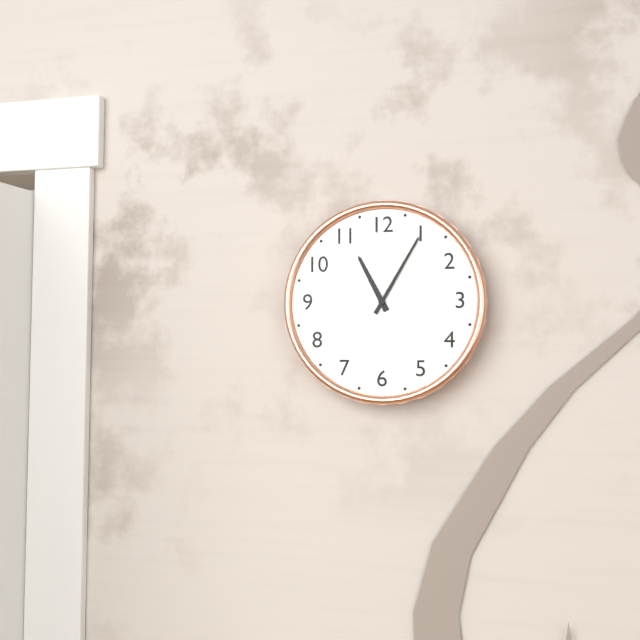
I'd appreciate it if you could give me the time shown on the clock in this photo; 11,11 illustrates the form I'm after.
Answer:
11,05
